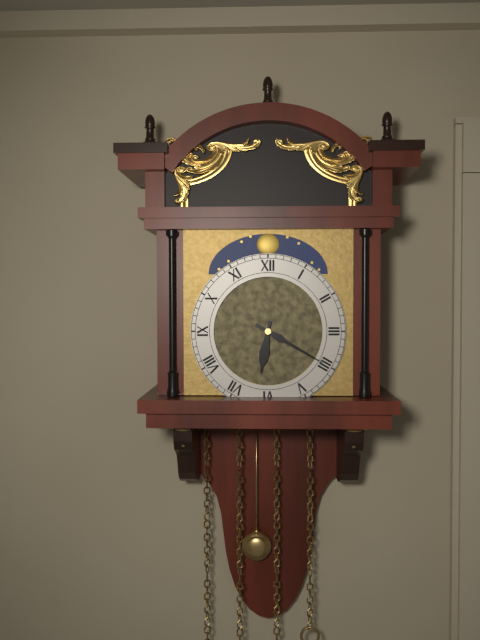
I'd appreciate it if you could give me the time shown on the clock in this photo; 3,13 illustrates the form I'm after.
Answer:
6,20
